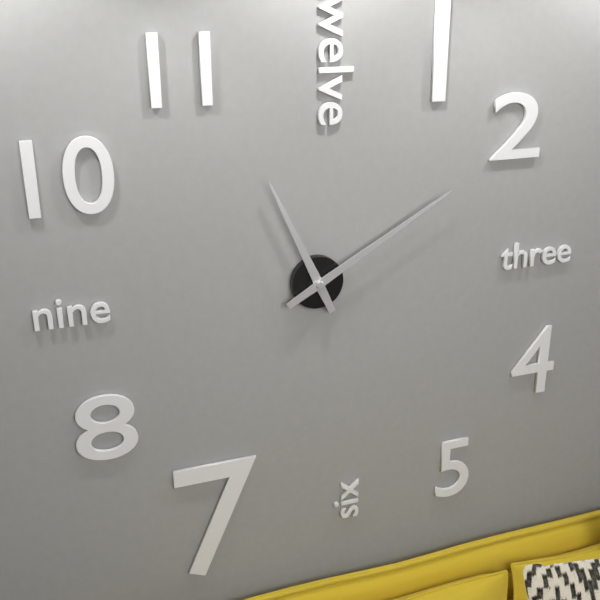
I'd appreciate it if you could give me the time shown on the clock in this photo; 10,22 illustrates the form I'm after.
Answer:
11,10
